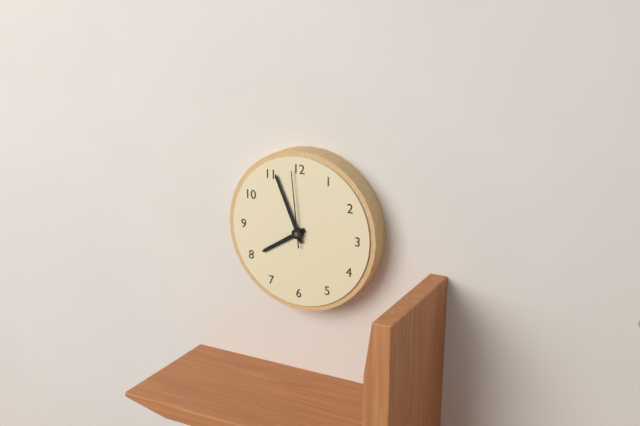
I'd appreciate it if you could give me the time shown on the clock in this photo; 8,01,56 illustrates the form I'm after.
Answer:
7,56,59
